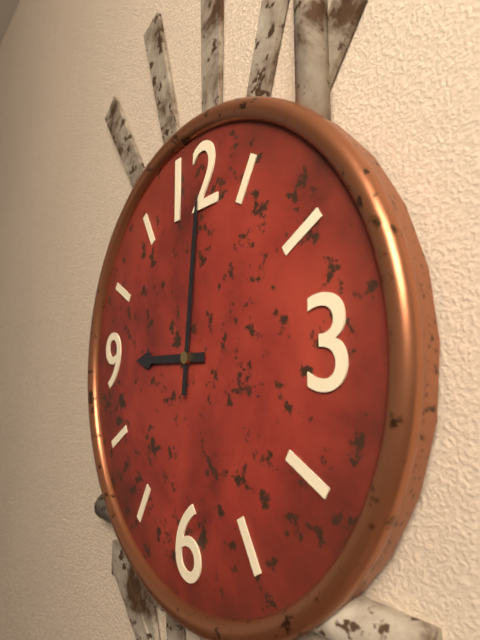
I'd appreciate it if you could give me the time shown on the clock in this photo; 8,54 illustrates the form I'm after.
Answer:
9,01
